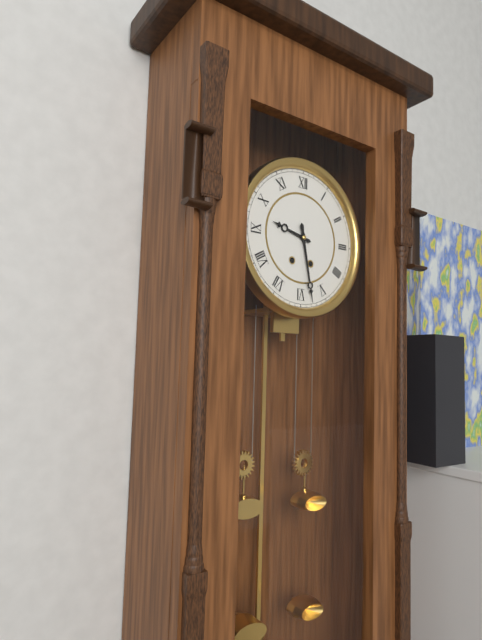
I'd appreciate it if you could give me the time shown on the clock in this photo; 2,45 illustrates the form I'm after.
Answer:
9,28
